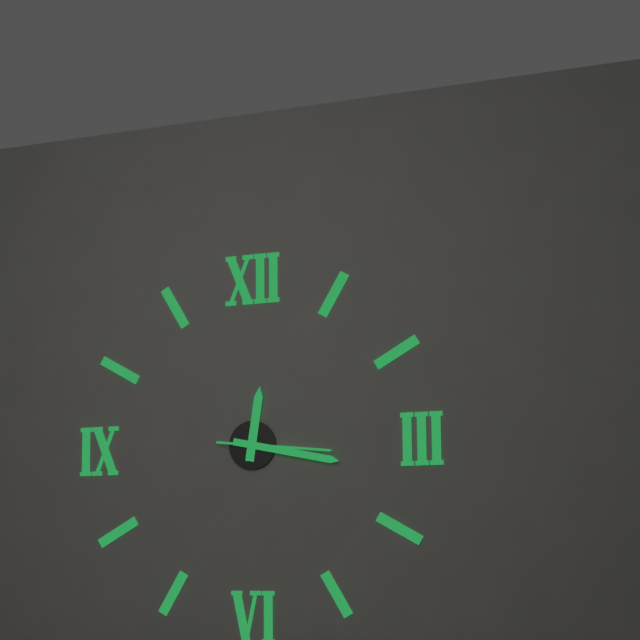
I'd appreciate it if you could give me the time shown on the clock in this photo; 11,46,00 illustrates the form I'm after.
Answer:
12,17,16
